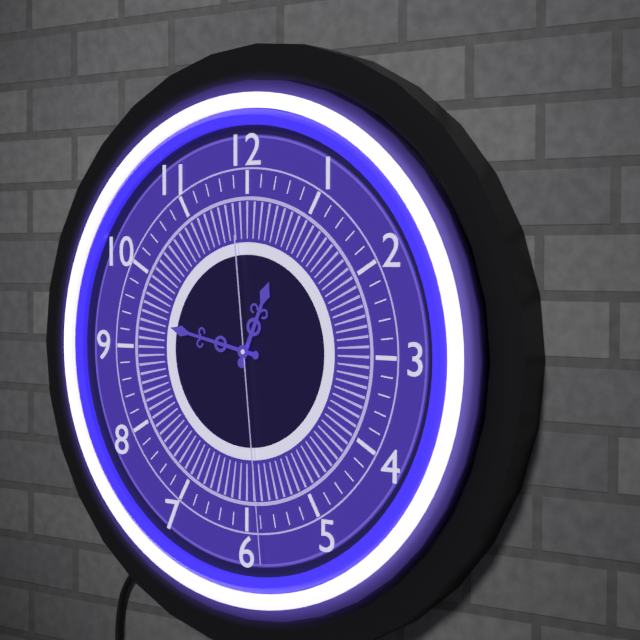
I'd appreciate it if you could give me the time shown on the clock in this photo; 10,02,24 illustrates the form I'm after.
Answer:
12,47,29
